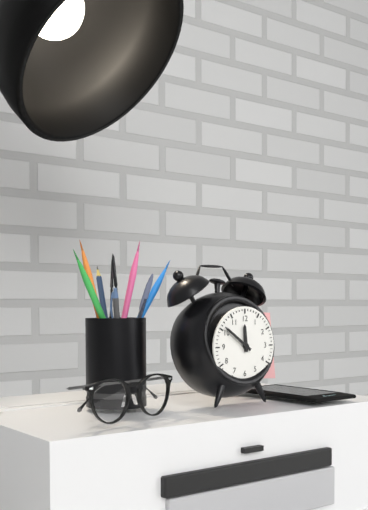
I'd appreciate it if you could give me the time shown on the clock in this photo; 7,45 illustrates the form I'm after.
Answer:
11,51
